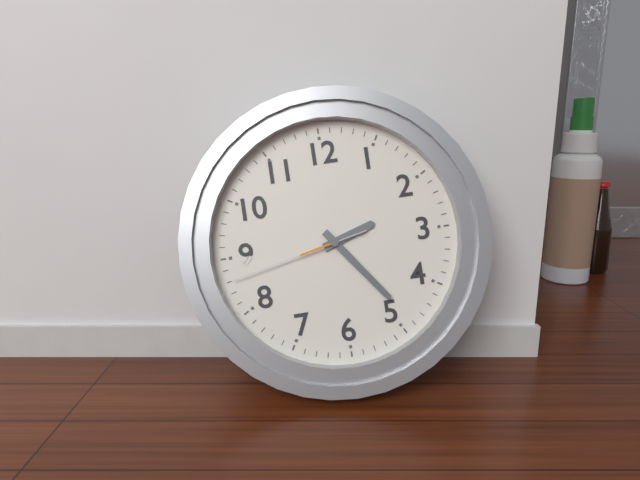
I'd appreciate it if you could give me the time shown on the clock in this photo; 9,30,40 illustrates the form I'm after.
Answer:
2,24,43
